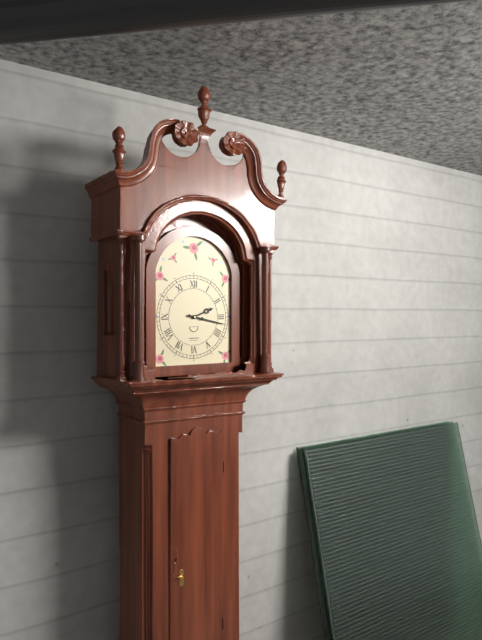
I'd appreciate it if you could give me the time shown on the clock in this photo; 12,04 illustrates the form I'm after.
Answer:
2,17
